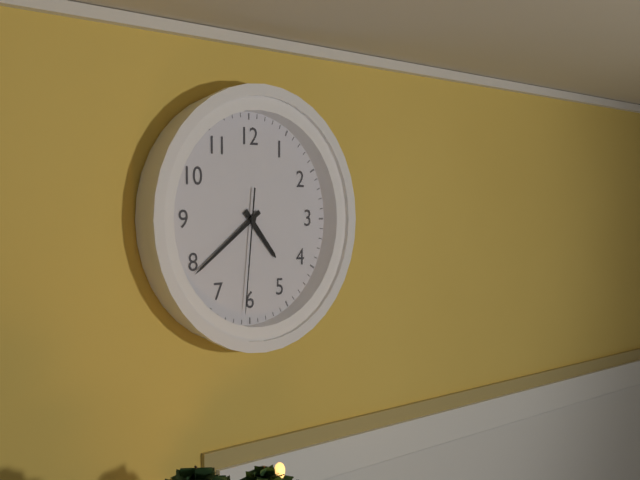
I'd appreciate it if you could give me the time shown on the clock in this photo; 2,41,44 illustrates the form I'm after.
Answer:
4,39,31
